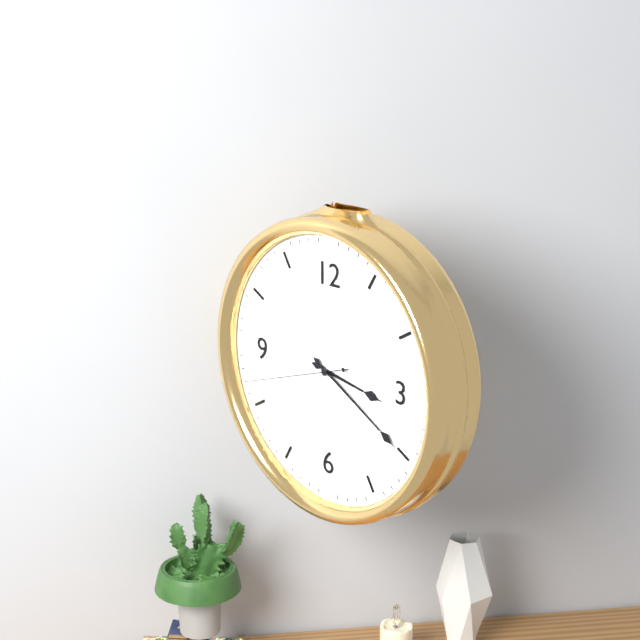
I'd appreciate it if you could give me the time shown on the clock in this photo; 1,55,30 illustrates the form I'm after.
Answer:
3,20,42
